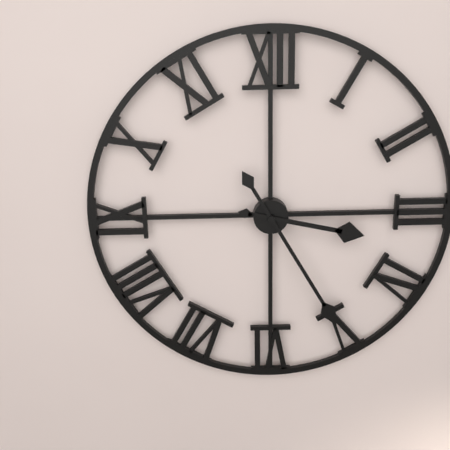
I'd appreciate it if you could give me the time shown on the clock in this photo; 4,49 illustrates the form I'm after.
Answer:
3,25
